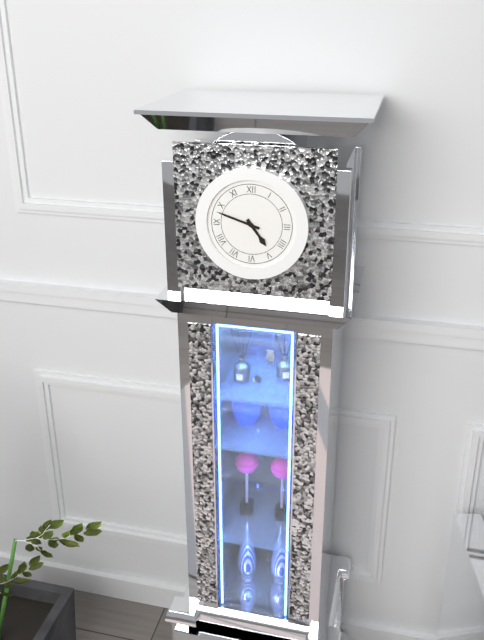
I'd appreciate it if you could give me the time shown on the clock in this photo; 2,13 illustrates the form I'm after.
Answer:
4,48
